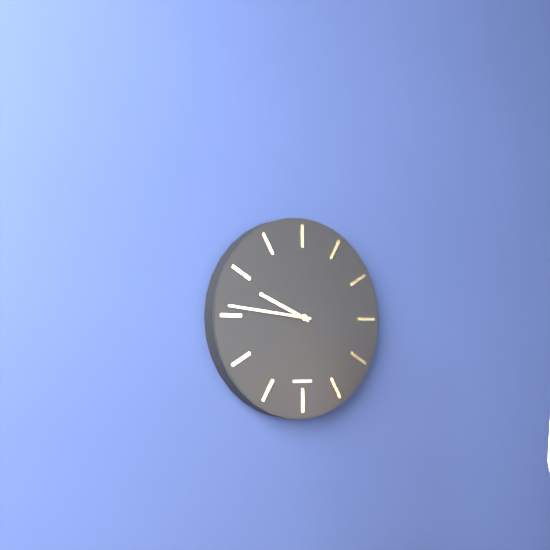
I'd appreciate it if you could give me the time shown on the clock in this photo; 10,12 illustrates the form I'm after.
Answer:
9,46
